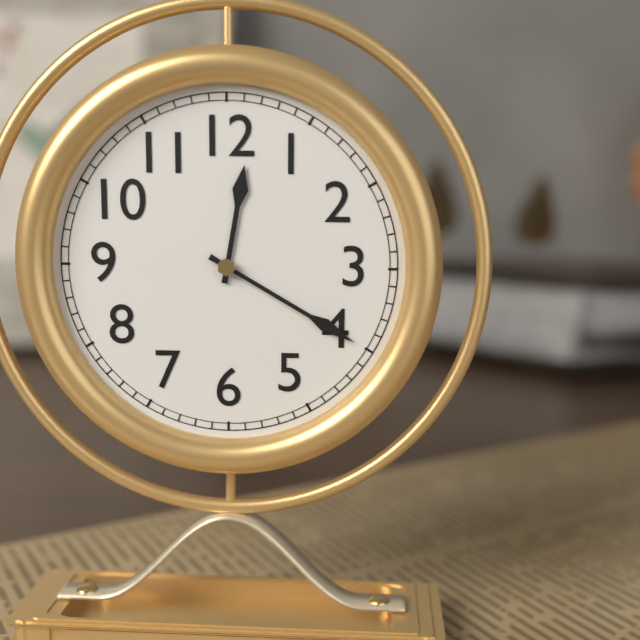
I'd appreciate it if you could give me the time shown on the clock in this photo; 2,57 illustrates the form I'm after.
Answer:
12,20
